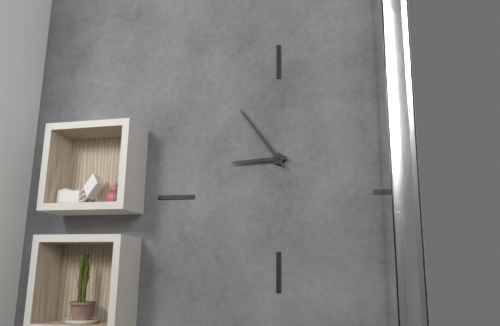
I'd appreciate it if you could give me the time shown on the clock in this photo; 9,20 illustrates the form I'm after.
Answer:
8,54
